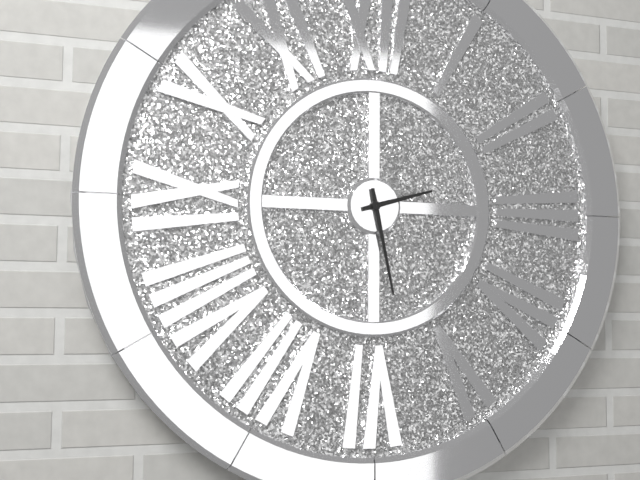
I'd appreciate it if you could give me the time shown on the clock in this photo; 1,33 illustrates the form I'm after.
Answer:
2,28
